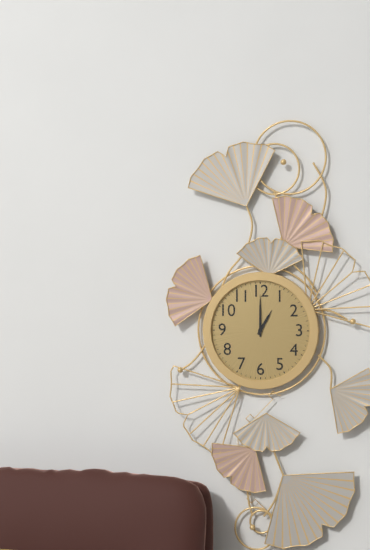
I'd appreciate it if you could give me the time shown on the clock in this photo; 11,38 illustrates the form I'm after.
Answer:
1,00
